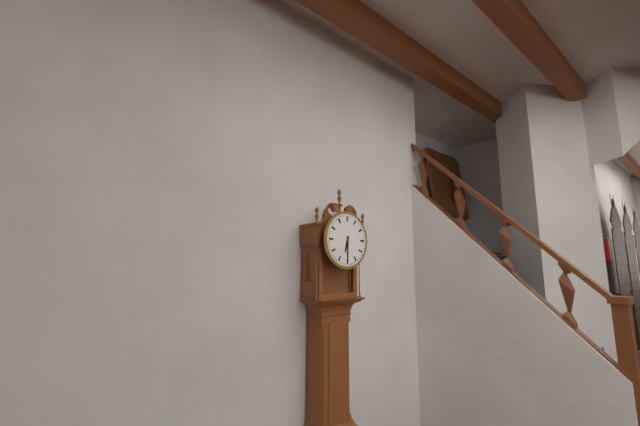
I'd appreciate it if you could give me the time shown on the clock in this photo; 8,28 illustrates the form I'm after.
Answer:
6,30
